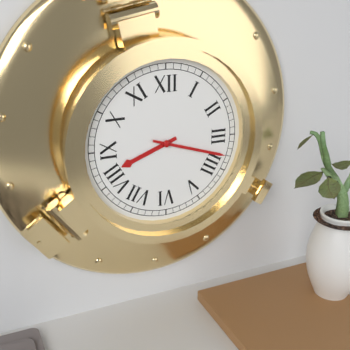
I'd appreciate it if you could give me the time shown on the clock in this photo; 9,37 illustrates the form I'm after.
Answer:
8,18
